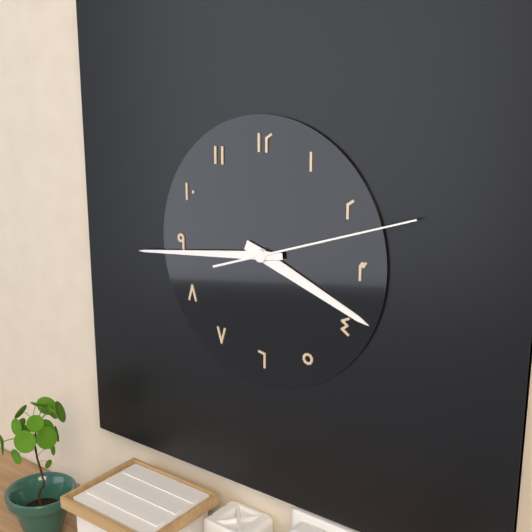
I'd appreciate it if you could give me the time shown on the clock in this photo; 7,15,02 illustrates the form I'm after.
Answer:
3,44,12
